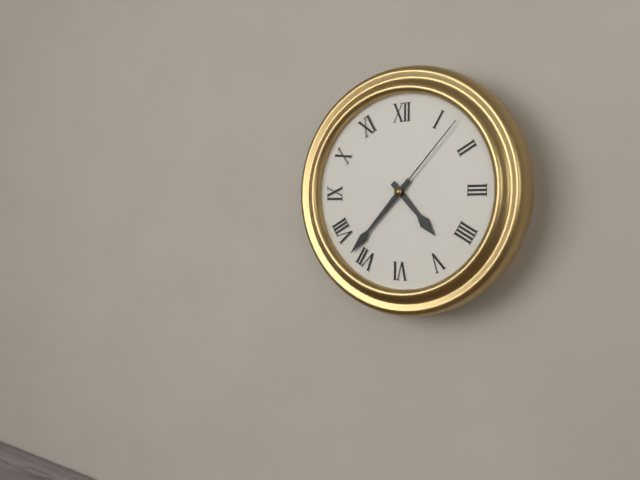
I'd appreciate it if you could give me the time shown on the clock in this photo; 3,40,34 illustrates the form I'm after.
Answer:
4,37,07
